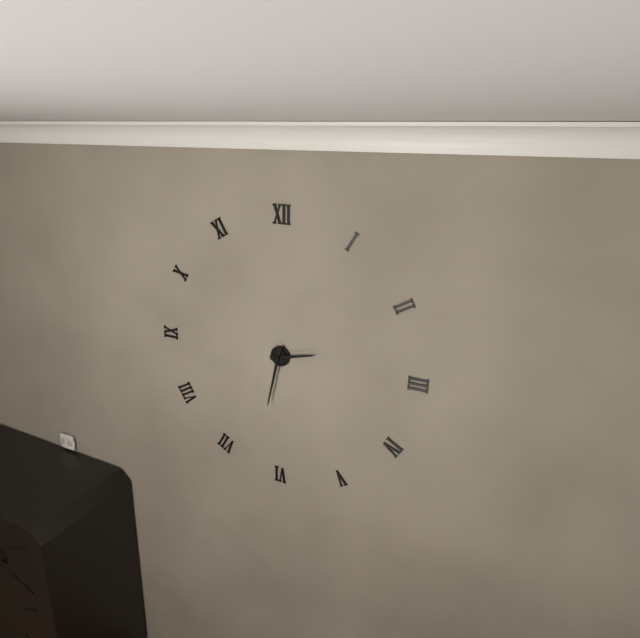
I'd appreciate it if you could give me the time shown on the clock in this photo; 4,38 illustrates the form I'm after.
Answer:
2,32
